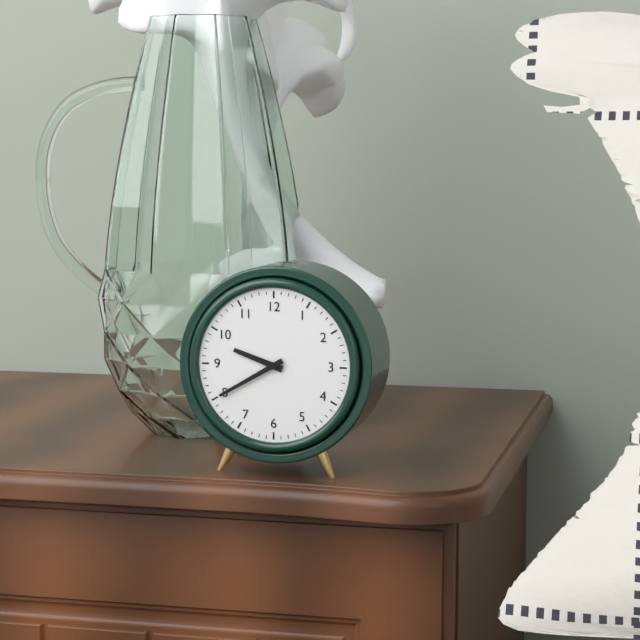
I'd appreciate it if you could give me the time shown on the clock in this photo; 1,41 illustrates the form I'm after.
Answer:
9,40
